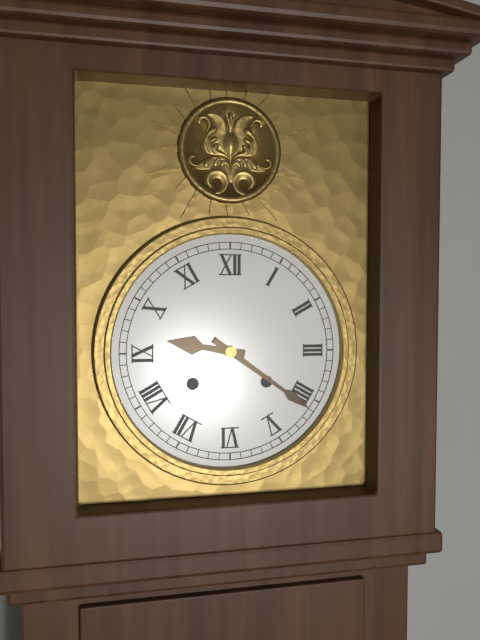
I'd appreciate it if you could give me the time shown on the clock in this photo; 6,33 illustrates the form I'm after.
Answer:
9,21
